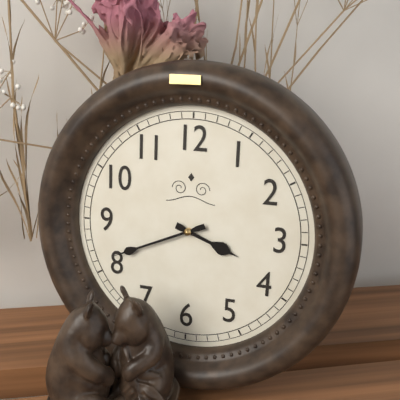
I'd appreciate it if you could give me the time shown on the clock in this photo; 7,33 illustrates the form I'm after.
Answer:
3,41
